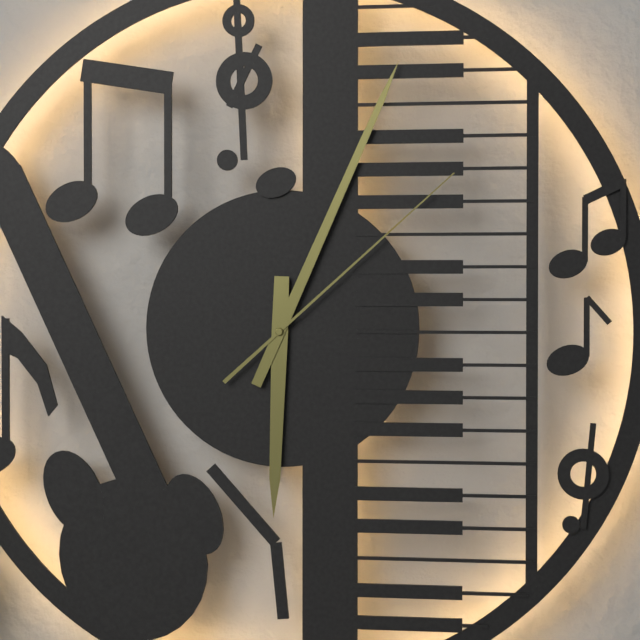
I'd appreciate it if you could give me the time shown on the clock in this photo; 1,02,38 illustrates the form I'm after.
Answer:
6,04,08
